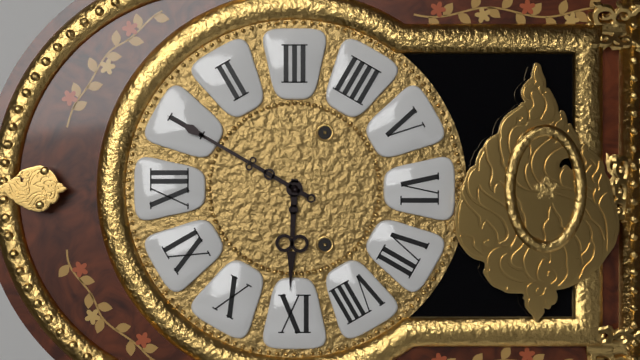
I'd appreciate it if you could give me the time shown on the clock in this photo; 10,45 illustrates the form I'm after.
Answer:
9,05
